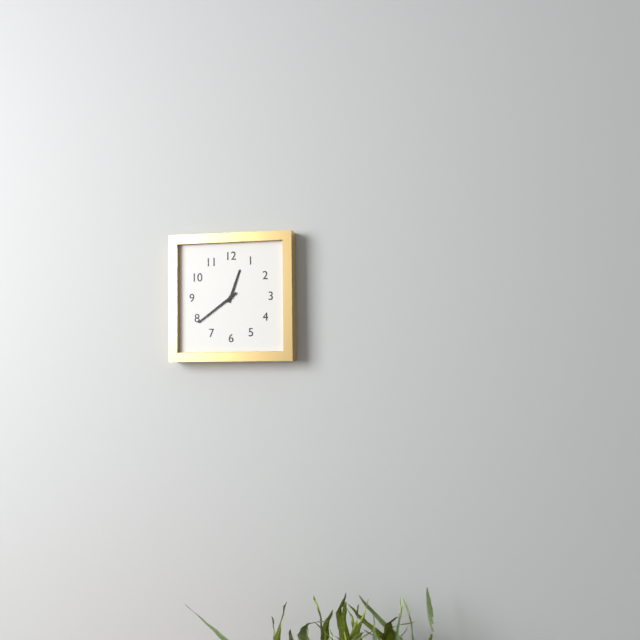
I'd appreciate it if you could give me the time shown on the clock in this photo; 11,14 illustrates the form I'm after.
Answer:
12,39
